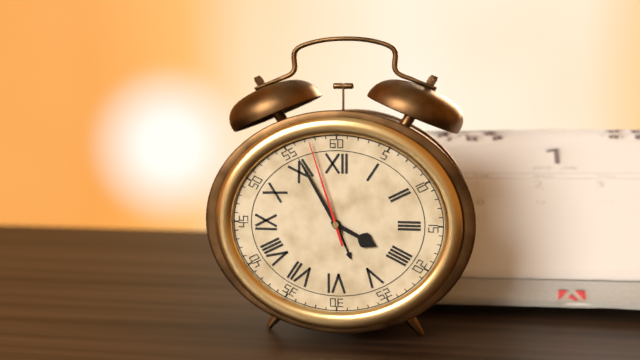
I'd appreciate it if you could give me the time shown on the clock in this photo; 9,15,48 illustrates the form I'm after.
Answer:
3,55,57
